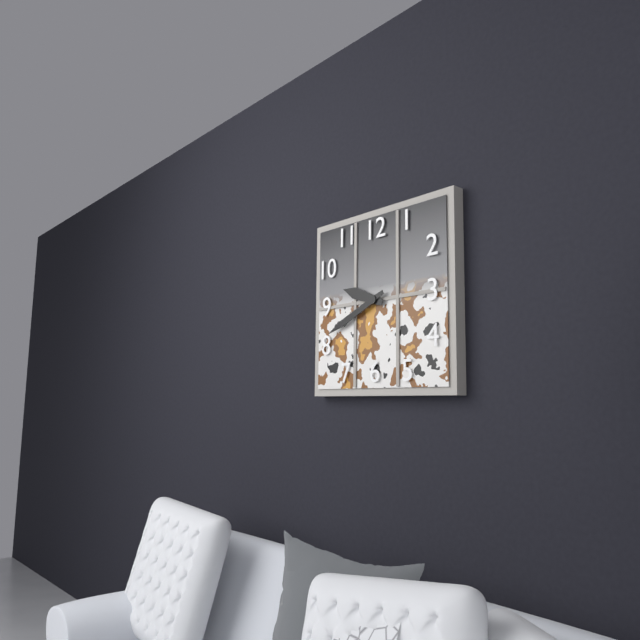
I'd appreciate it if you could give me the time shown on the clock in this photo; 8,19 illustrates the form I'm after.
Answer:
9,41
